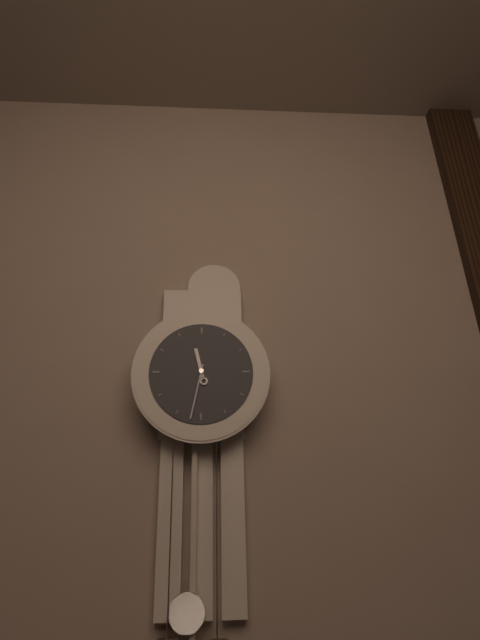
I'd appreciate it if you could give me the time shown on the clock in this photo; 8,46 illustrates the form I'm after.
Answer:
11,32
